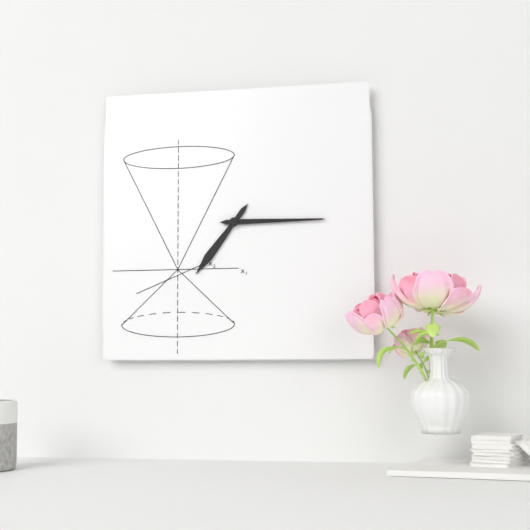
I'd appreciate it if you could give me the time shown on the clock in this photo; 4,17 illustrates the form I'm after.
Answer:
7,15
